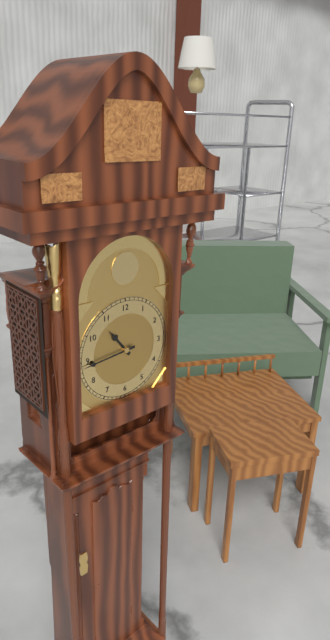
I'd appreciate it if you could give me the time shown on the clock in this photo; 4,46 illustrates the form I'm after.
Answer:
10,44
